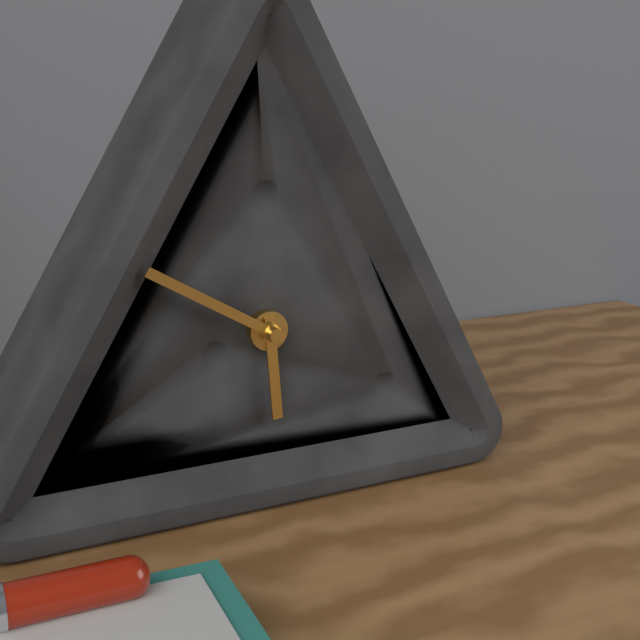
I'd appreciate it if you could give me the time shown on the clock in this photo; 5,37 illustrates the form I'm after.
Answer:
5,50
